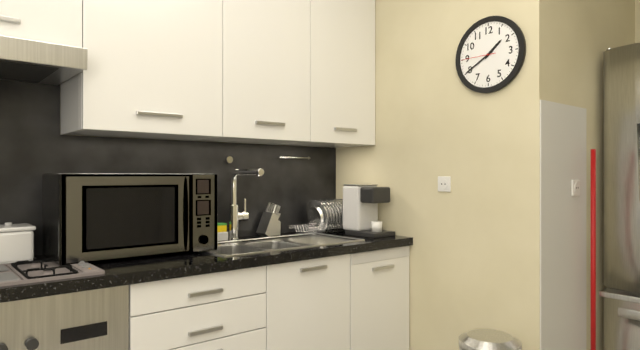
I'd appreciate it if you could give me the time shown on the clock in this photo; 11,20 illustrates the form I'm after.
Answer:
1,40
